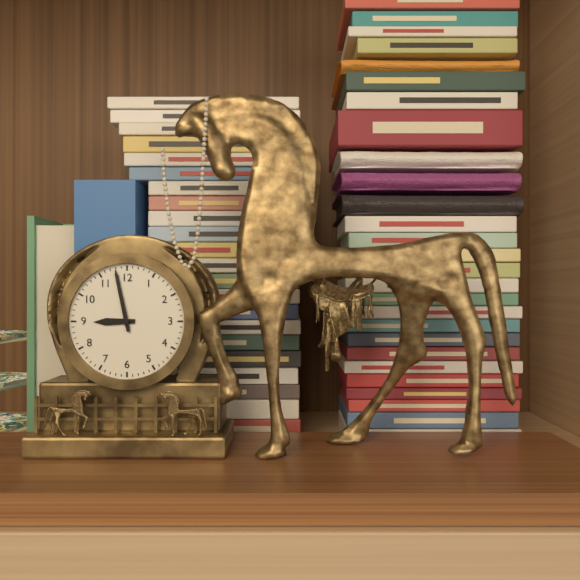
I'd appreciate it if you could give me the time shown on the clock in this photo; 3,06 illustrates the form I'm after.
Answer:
8,58
